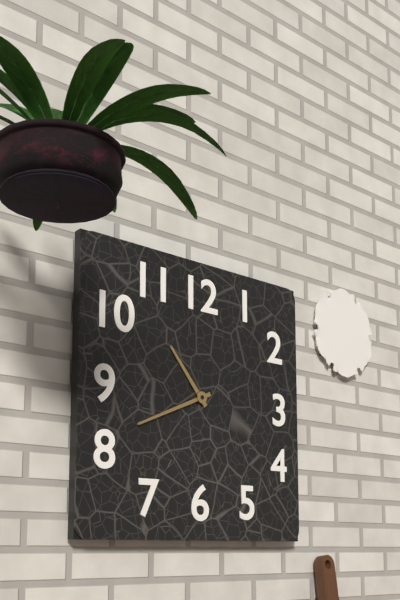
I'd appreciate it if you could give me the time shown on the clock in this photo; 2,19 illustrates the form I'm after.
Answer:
10,41
